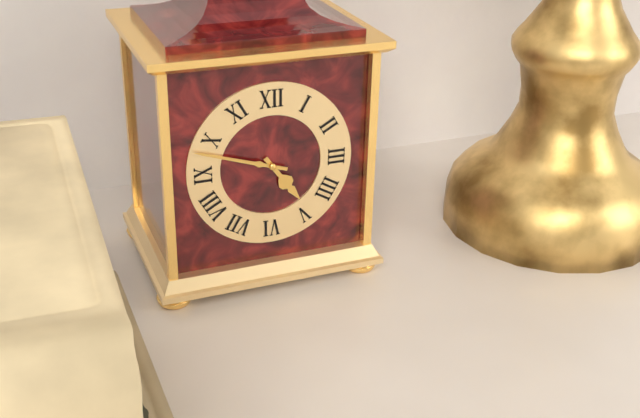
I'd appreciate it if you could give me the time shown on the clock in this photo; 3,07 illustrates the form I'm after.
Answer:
4,48
